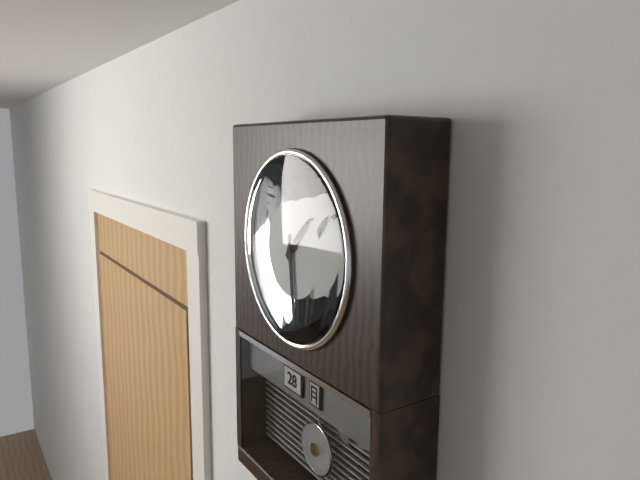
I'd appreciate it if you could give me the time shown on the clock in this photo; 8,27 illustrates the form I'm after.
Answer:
1,29
